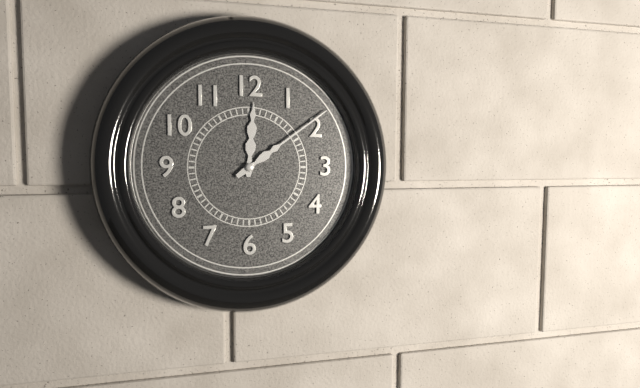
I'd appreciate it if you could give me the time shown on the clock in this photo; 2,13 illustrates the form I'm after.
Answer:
12,09
